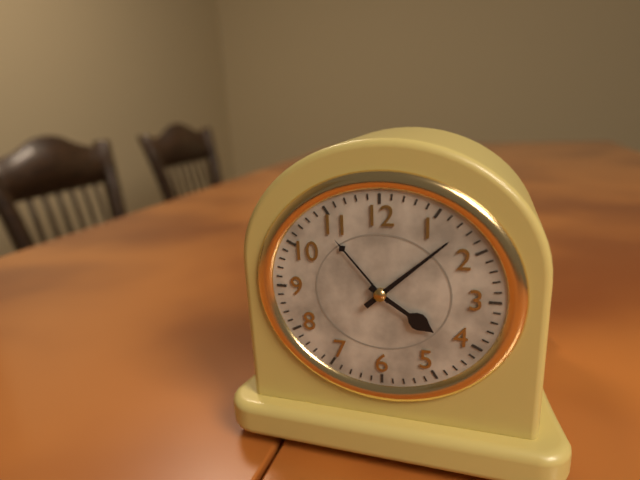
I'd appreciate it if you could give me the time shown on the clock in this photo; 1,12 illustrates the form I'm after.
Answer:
4,08
